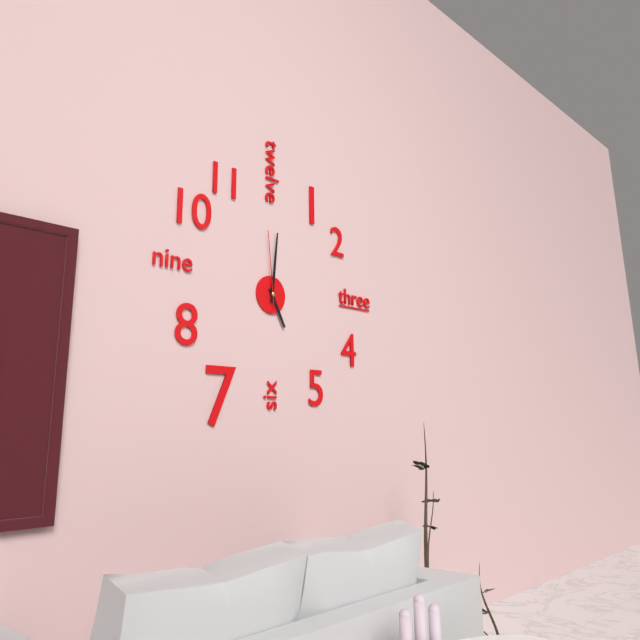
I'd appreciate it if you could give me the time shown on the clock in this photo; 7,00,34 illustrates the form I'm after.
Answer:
5,01,59
